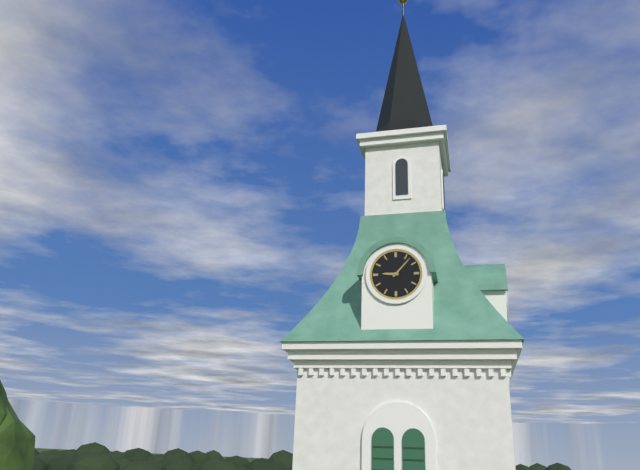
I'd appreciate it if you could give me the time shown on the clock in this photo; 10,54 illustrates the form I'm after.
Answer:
9,07
